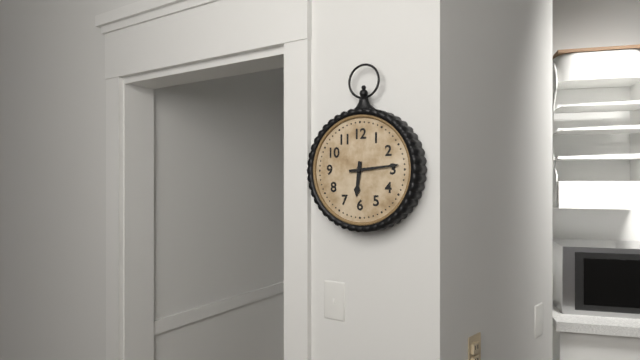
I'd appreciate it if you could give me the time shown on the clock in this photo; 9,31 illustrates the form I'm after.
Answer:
6,14
